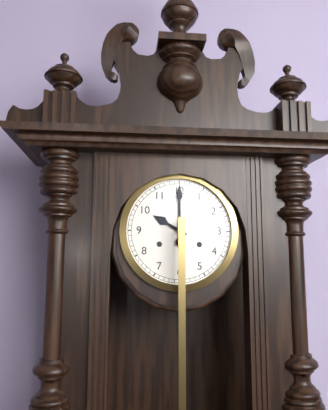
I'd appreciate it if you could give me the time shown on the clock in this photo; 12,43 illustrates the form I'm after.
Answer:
10,00
